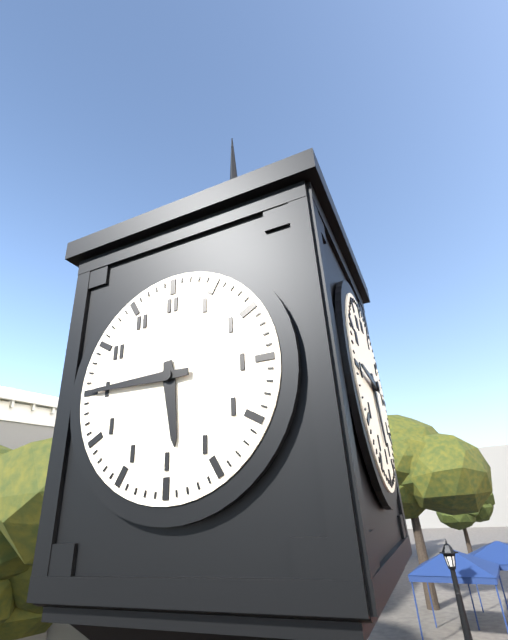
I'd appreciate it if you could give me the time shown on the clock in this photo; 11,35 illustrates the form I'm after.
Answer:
5,45
